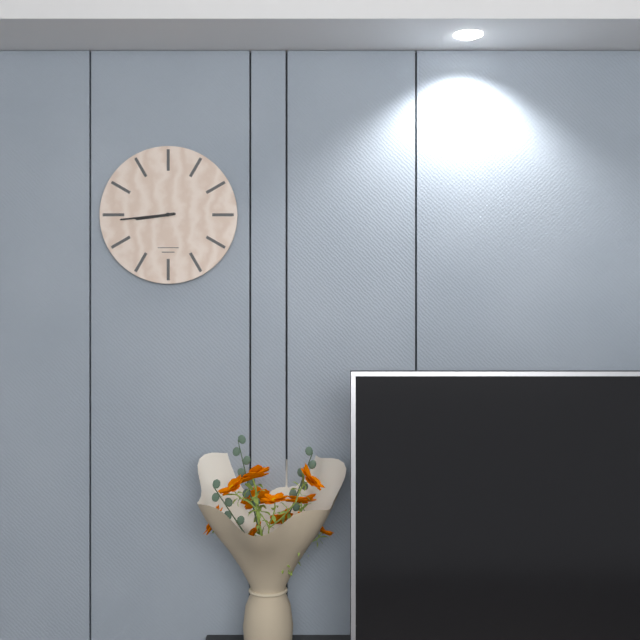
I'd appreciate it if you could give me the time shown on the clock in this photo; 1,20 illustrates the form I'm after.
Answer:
8,44
